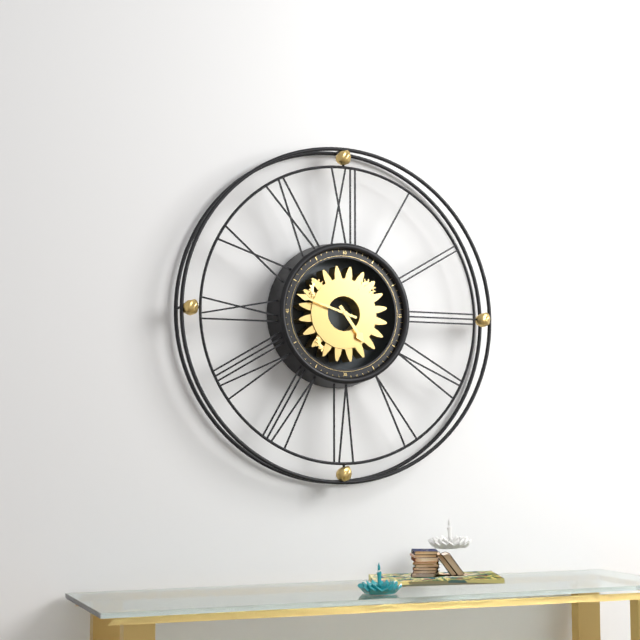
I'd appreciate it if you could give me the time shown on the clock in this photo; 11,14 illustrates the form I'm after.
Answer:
4,48
